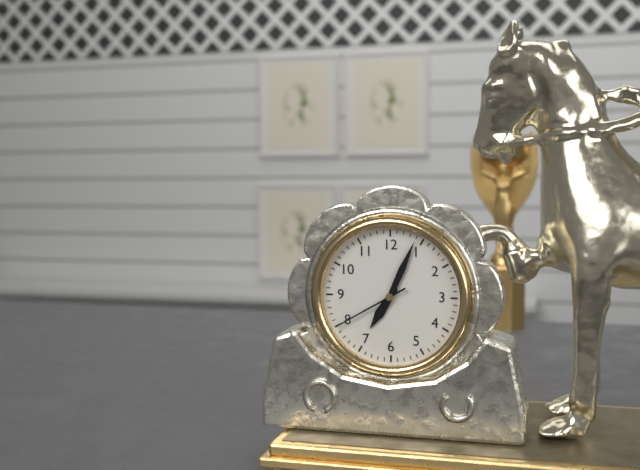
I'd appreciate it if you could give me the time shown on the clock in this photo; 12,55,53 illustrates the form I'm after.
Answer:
7,04,40
